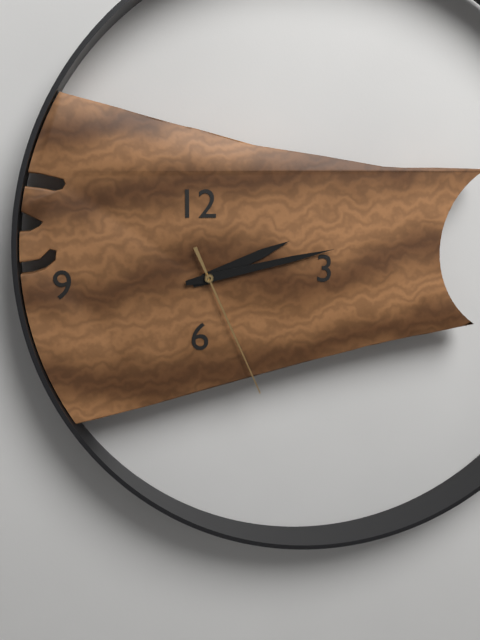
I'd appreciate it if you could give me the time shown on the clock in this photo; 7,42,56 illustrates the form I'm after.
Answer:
2,13,26
